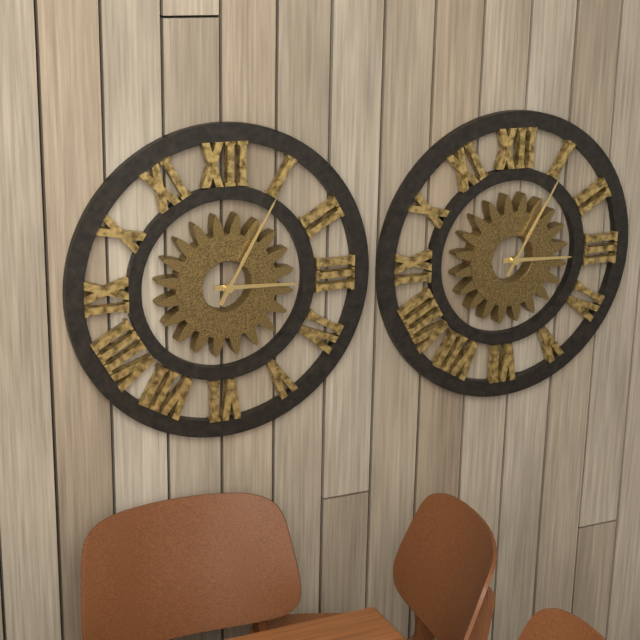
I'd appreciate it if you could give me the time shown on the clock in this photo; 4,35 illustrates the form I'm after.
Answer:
3,05
